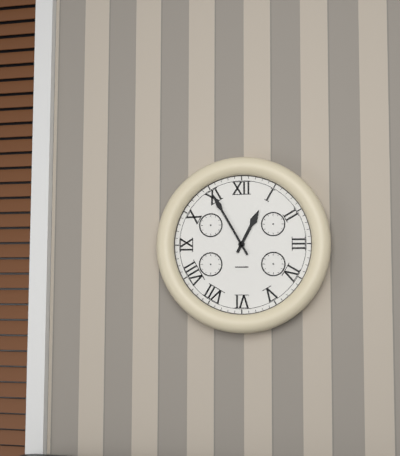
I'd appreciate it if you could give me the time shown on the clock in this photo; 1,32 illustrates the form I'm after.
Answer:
12,55
